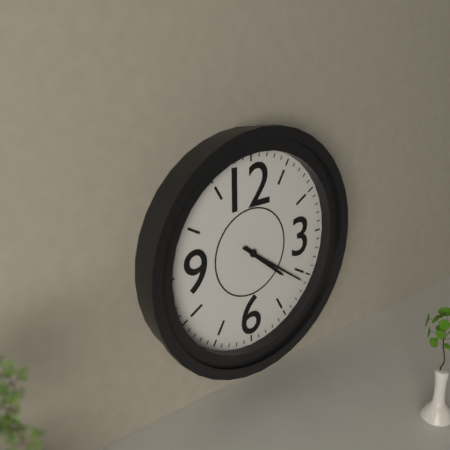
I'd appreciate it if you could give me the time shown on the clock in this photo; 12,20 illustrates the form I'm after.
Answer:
4,21
